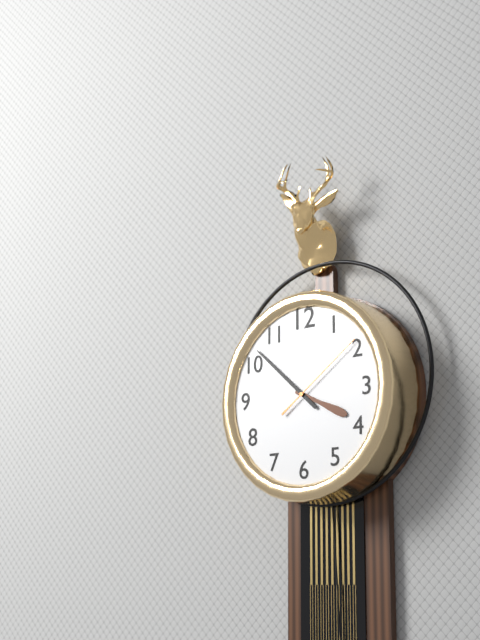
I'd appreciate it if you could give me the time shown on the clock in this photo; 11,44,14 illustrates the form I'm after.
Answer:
3,52,09
